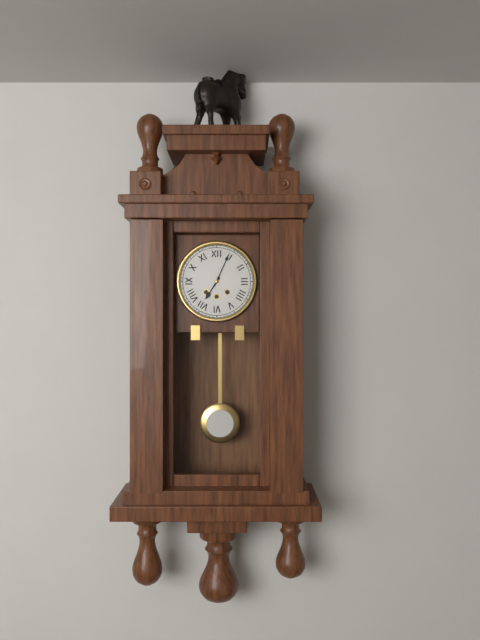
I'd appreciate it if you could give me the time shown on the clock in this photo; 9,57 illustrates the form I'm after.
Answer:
7,04
